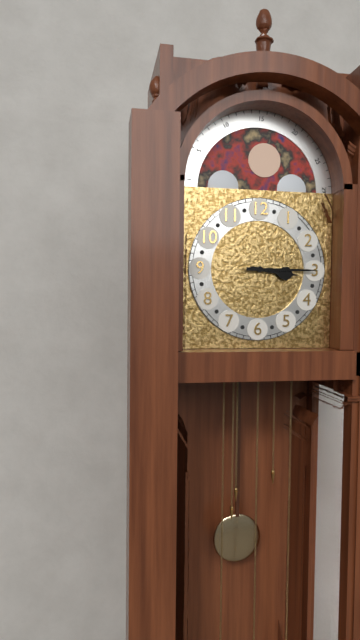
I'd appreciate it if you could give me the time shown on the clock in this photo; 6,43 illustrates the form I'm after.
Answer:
3,15
